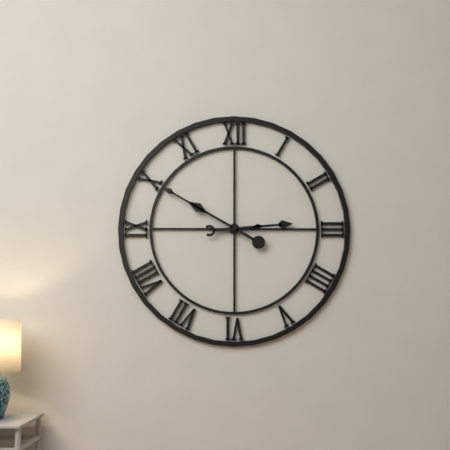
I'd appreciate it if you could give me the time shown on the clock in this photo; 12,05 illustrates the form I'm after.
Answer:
2,50
